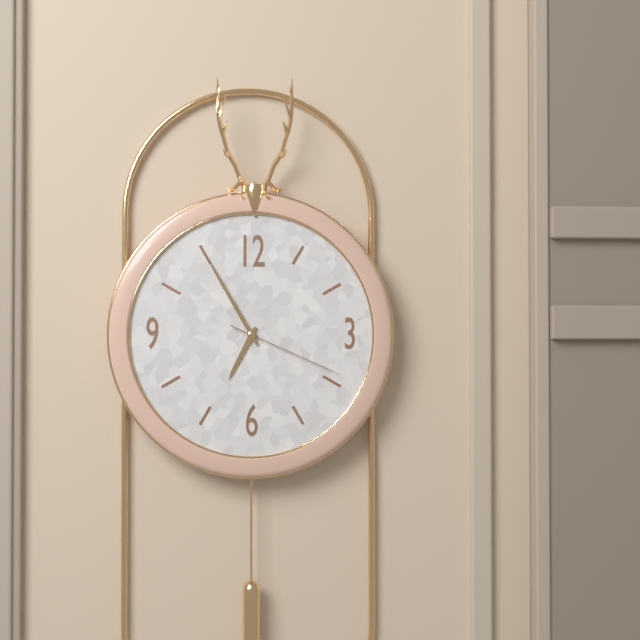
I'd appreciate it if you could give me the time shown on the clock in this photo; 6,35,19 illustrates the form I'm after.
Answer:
6,55,19
